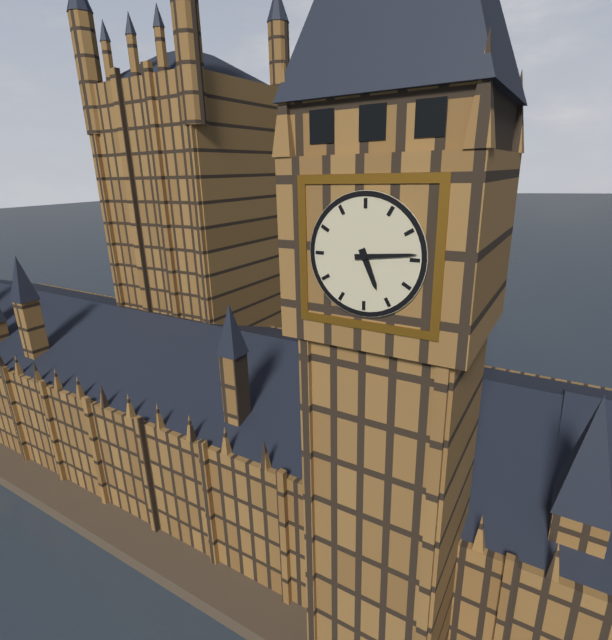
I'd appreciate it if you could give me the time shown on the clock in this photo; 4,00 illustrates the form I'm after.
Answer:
5,14
